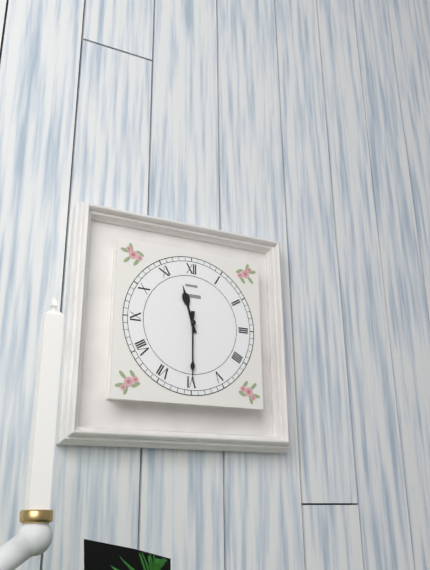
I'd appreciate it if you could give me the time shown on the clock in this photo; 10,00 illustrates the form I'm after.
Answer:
11,30
